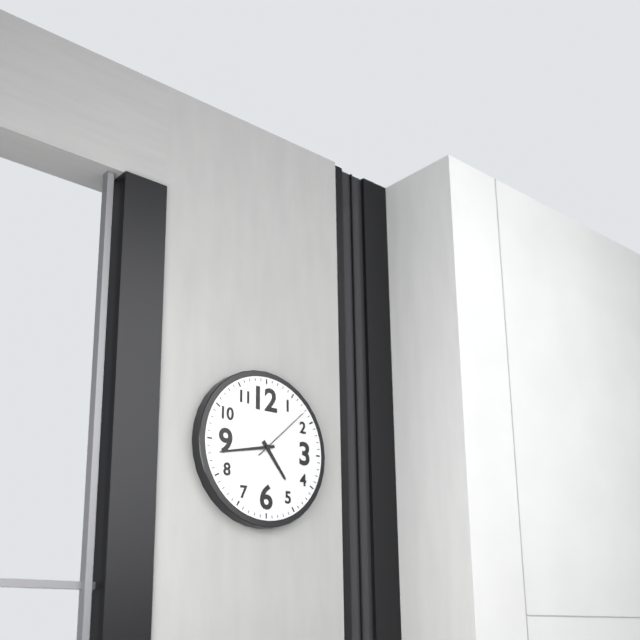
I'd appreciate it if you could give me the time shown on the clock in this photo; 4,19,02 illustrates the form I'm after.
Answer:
4,43,08
